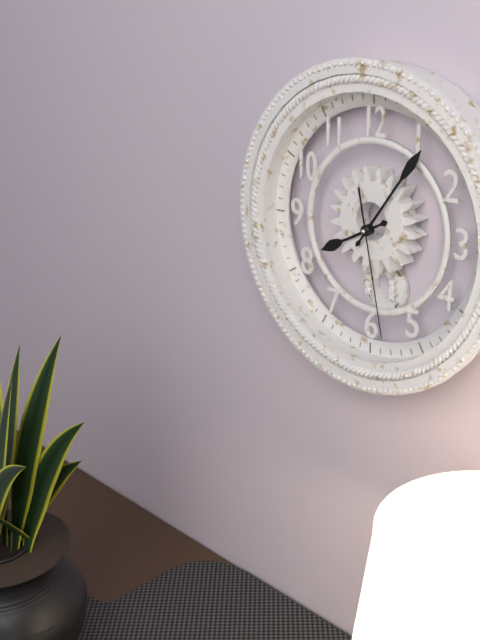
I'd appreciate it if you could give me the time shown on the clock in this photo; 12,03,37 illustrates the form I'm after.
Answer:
8,06,28
